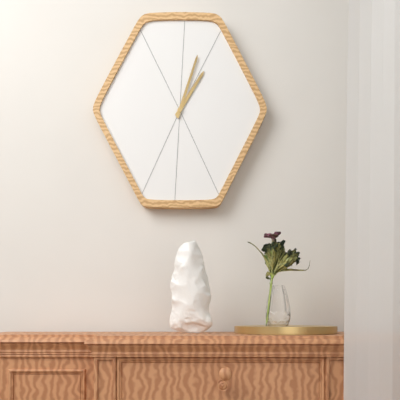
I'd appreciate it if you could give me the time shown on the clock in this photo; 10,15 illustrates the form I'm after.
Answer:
1,03
